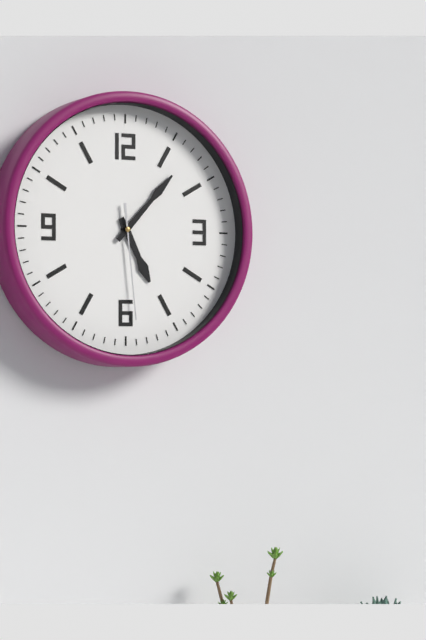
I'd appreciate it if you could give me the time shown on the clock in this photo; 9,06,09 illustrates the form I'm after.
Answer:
5,07,29
